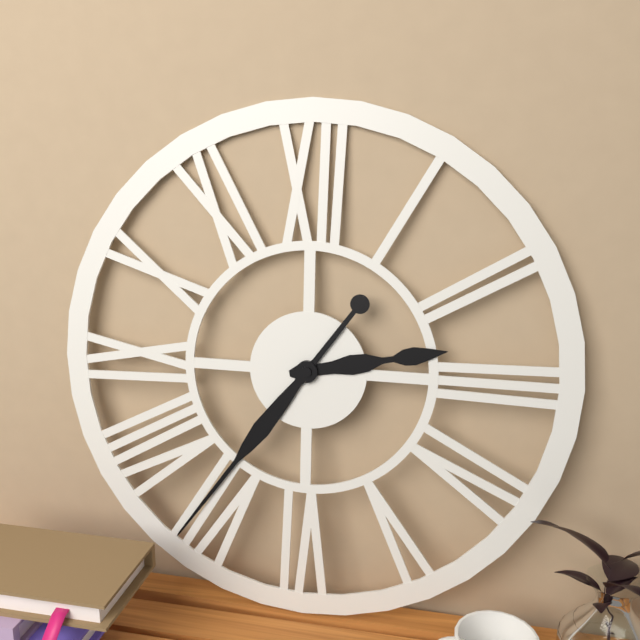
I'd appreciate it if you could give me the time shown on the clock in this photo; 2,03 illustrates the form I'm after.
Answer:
2,36
